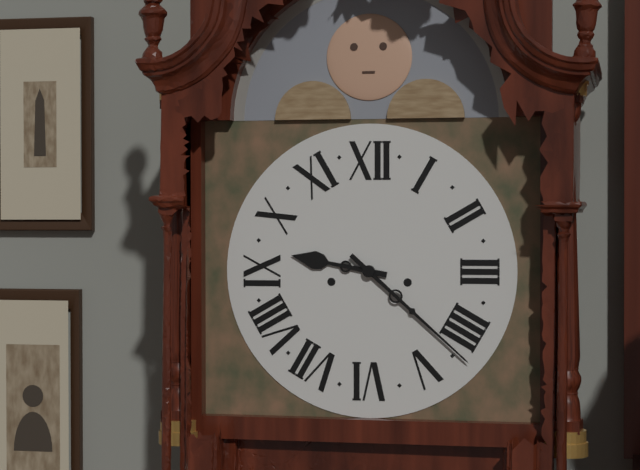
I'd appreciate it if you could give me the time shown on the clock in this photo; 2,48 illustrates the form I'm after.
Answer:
9,22
